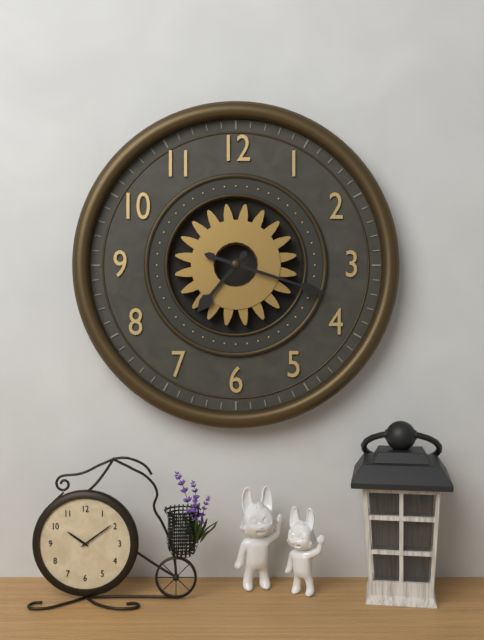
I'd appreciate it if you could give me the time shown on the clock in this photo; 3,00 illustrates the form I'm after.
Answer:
7,18
